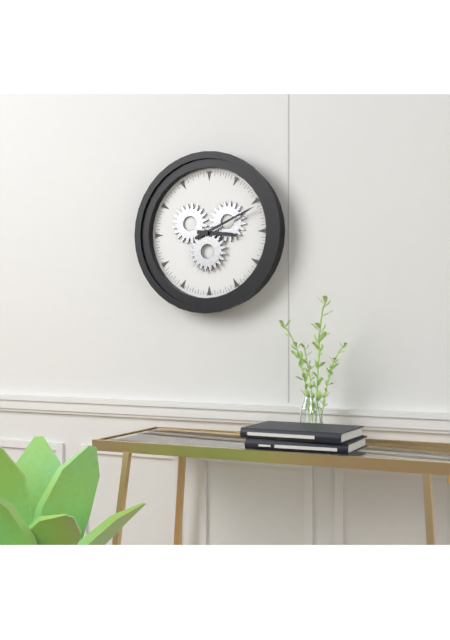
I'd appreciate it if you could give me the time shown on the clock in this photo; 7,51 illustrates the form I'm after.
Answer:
3,11
